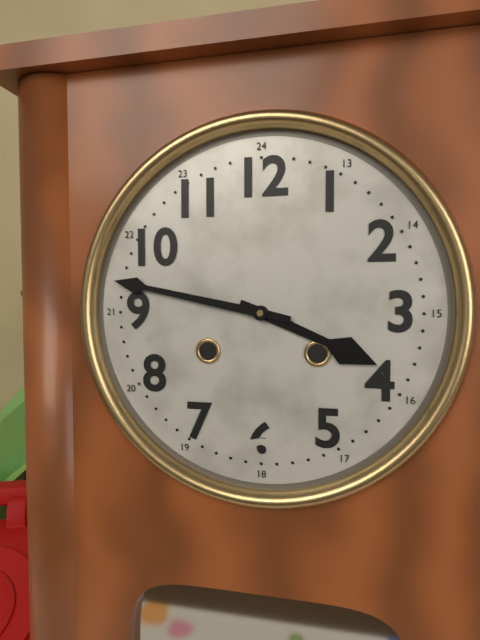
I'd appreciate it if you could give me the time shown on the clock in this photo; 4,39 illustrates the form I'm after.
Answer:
3,47
